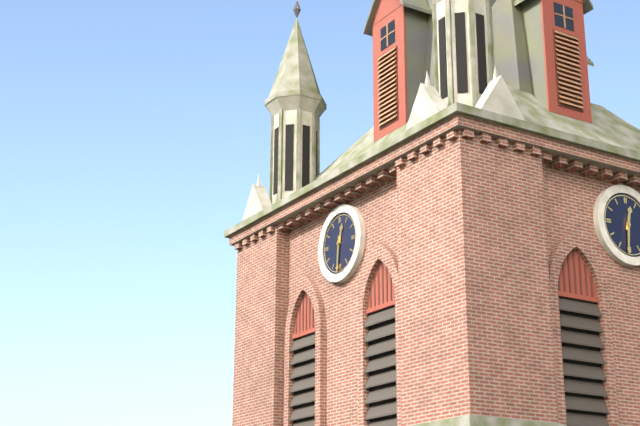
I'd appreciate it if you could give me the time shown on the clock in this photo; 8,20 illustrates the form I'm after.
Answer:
12,31
